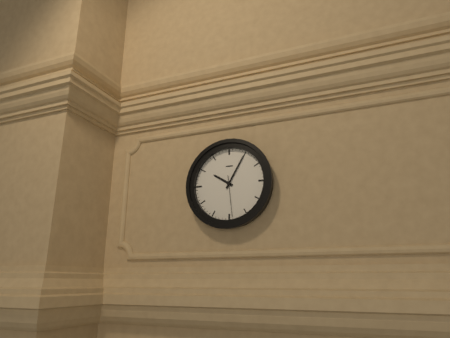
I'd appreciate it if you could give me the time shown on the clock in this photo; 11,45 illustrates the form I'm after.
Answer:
10,05
